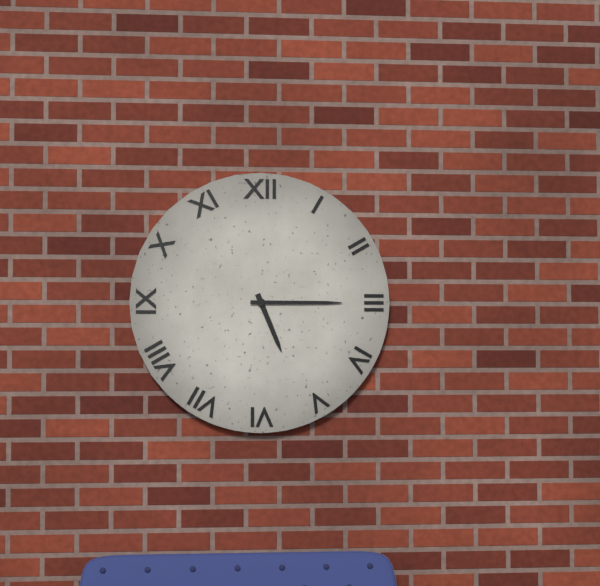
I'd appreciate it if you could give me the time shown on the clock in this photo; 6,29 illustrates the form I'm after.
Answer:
5,15
